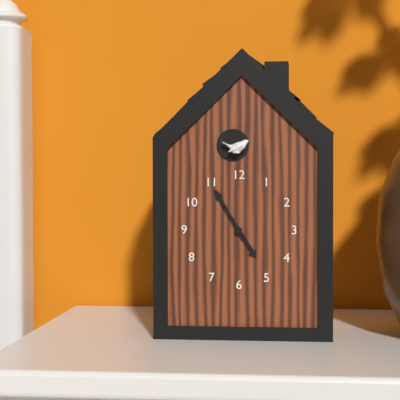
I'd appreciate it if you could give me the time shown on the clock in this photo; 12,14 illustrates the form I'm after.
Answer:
4,55
